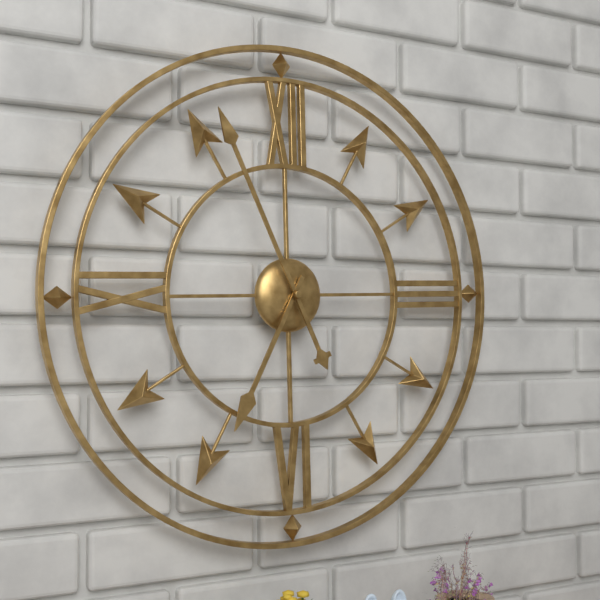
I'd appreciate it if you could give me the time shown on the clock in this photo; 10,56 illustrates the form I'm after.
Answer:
6,56
